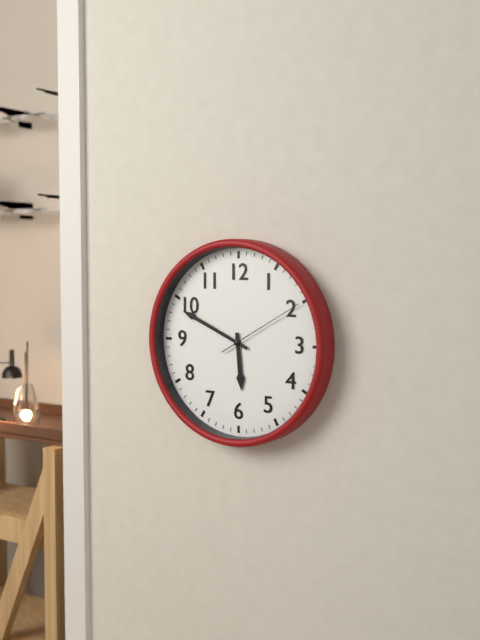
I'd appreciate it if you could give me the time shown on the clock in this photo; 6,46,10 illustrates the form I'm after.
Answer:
5,49,10
